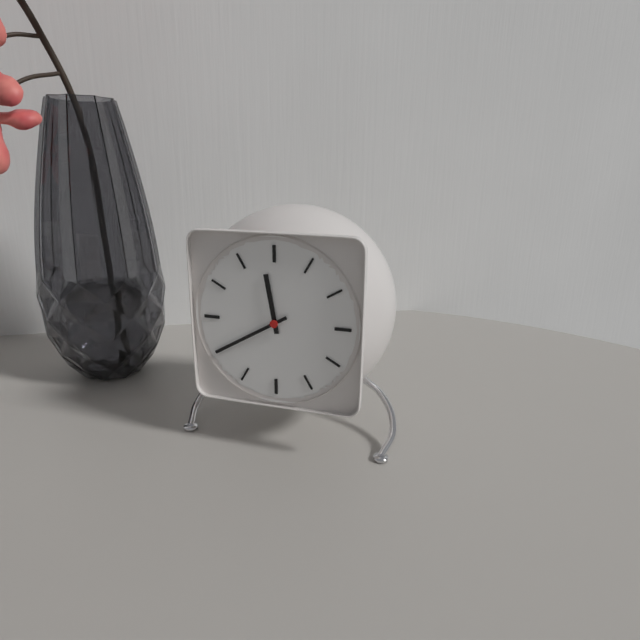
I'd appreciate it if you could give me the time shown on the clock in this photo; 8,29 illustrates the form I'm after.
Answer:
11,40
